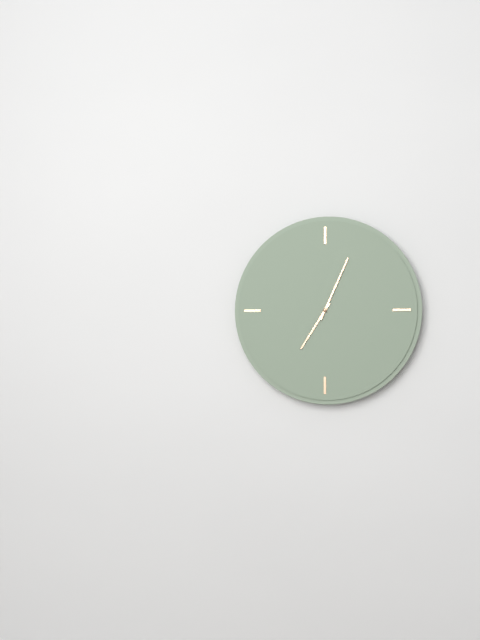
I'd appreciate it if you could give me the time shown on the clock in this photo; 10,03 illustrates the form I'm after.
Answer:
7,04
